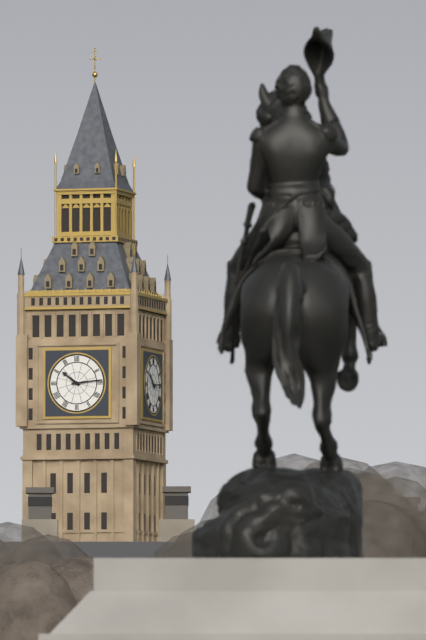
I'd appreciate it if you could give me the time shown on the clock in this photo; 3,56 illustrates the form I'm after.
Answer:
10,14
